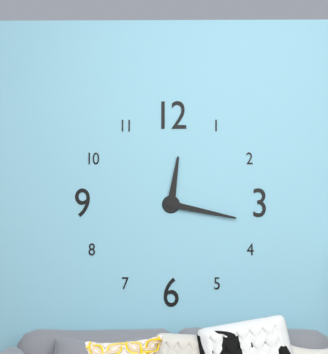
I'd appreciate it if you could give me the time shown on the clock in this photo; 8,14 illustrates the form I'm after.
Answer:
12,17
